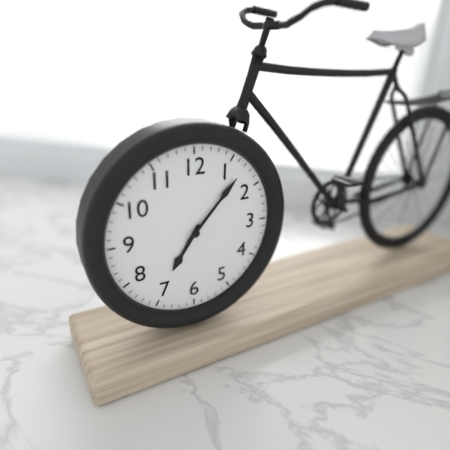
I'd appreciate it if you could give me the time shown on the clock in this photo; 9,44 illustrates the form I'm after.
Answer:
7,07
